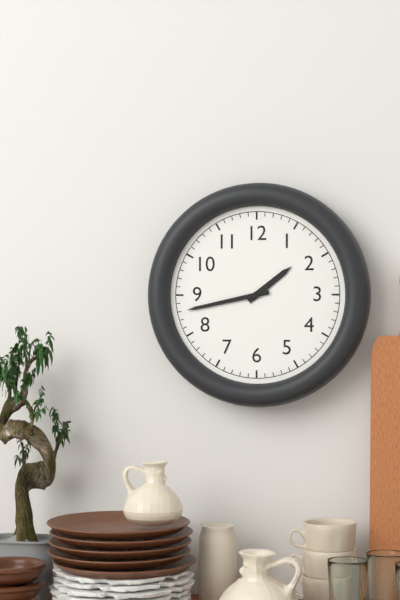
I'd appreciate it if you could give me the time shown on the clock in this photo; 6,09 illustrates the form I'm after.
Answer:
1,43
